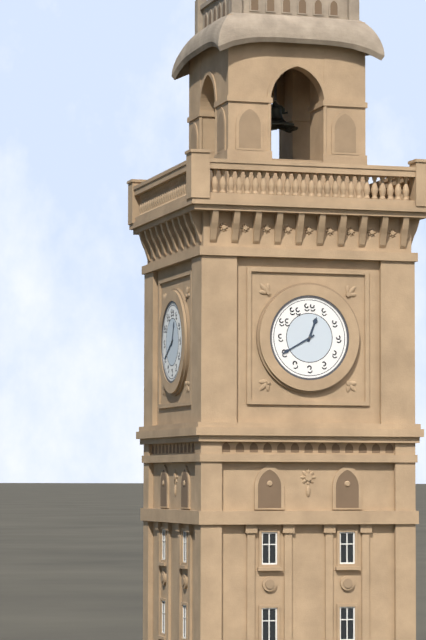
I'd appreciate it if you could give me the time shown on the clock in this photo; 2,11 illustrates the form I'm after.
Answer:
12,40
